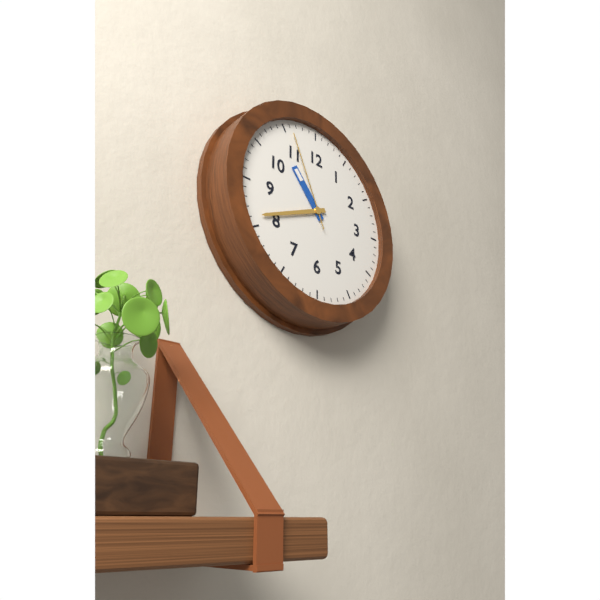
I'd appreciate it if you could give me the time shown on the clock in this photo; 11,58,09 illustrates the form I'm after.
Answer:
10,41,56
